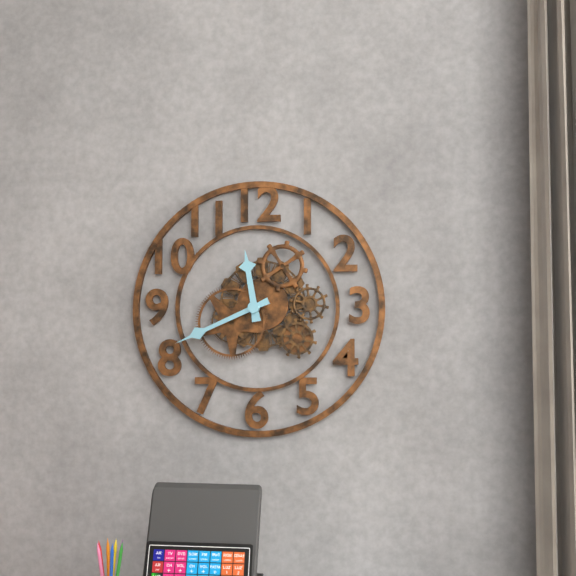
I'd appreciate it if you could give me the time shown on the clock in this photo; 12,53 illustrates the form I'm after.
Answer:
11,41
